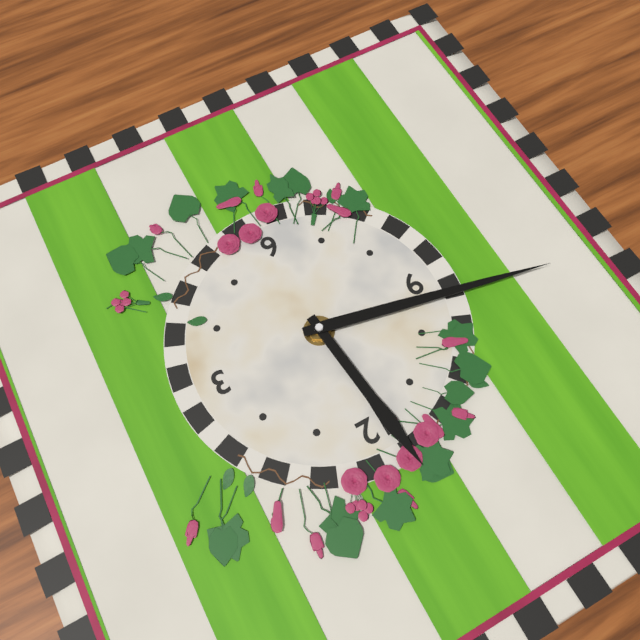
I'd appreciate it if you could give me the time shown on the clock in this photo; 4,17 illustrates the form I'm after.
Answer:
11,47
